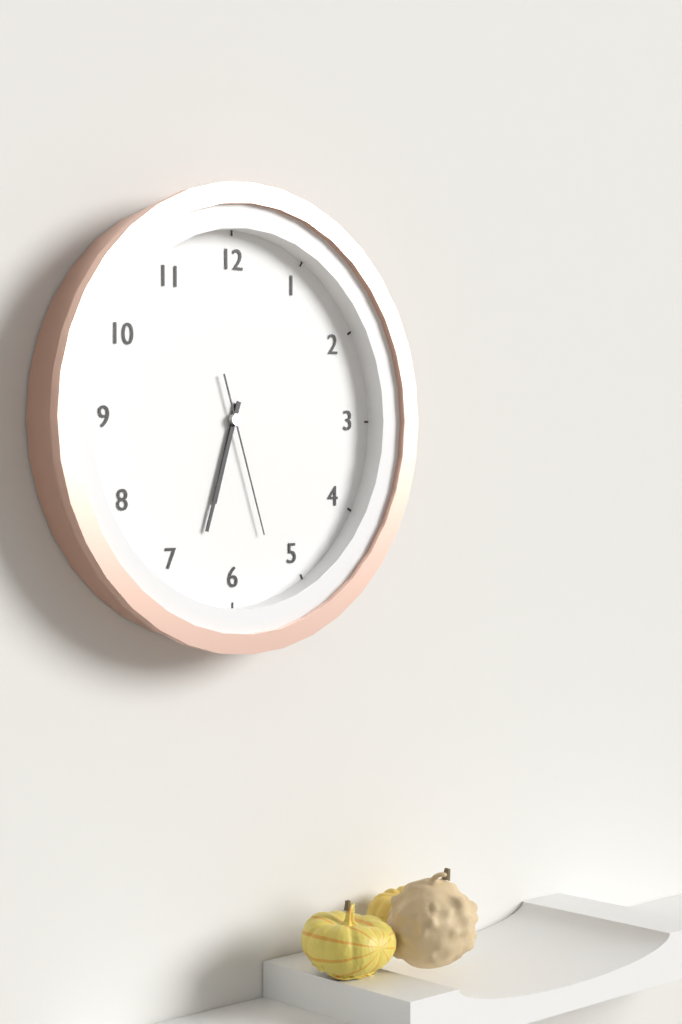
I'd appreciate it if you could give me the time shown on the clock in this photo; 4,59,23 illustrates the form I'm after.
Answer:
6,33,27
